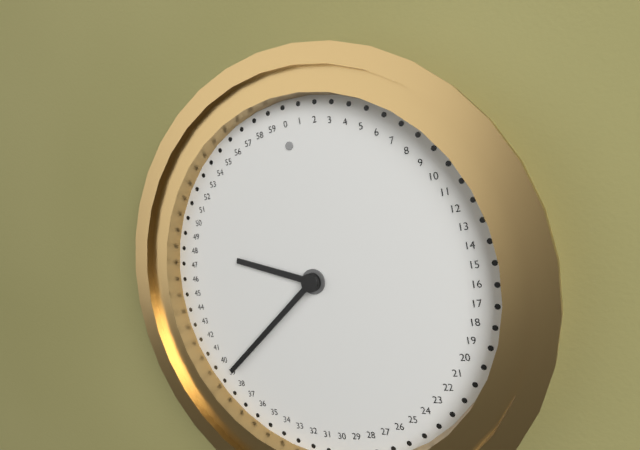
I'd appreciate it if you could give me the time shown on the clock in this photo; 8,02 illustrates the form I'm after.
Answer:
9,39
